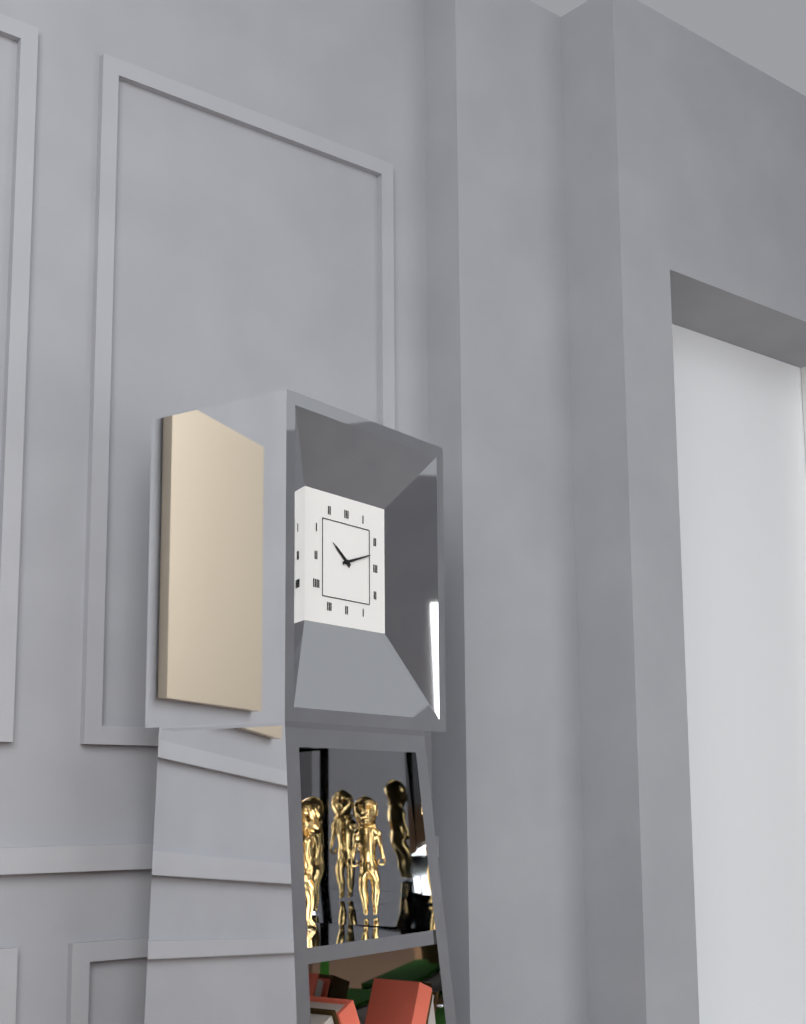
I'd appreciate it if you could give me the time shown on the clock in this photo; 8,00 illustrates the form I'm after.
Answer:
10,12
